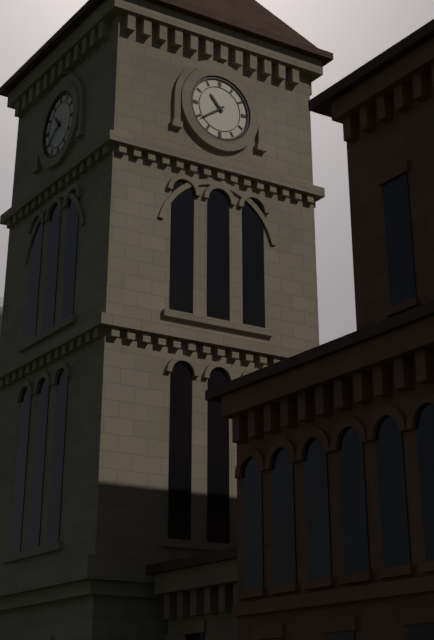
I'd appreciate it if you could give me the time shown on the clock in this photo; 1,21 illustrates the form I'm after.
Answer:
10,39
